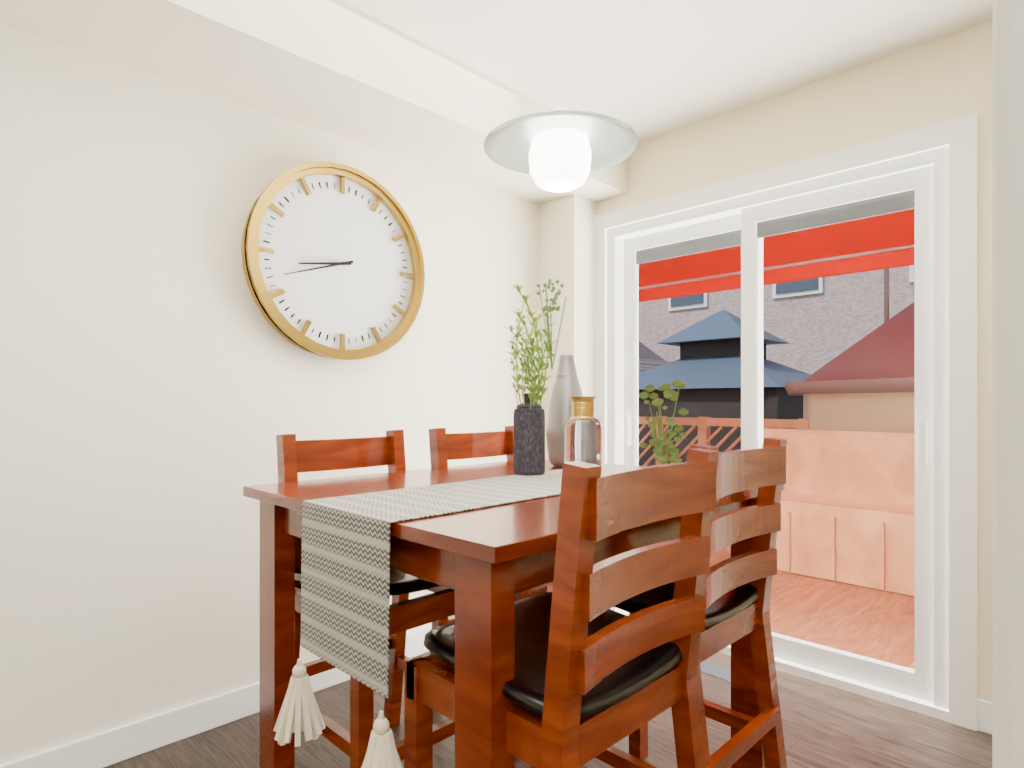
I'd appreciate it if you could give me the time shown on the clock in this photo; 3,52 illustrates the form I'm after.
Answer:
8,42
